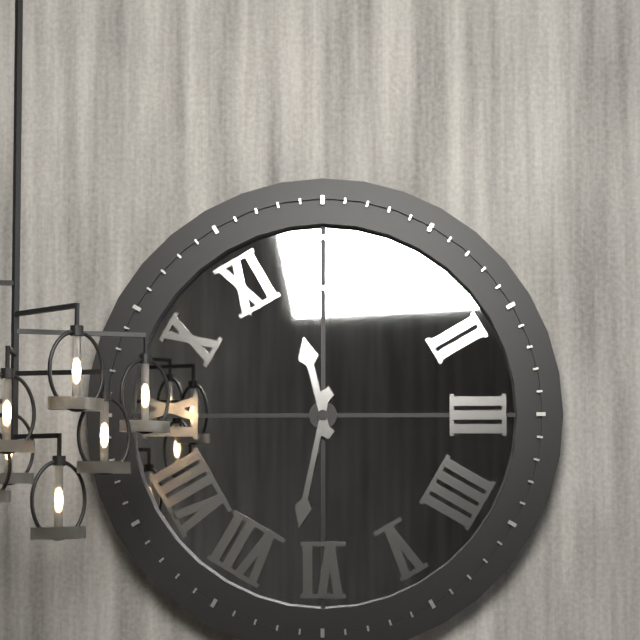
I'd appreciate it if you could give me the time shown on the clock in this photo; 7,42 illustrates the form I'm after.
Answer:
11,32
